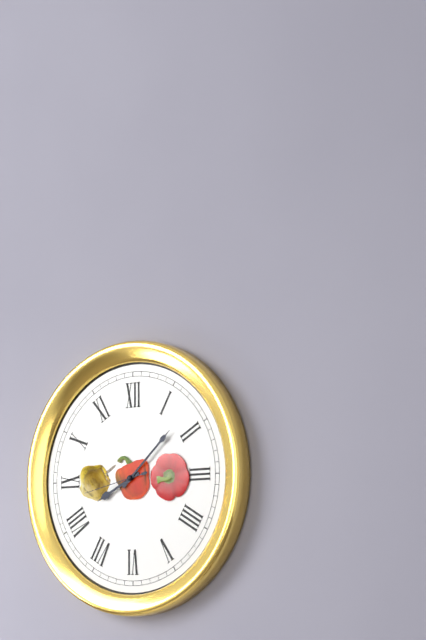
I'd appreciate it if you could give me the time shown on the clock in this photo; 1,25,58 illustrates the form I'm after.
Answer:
8,08,43
